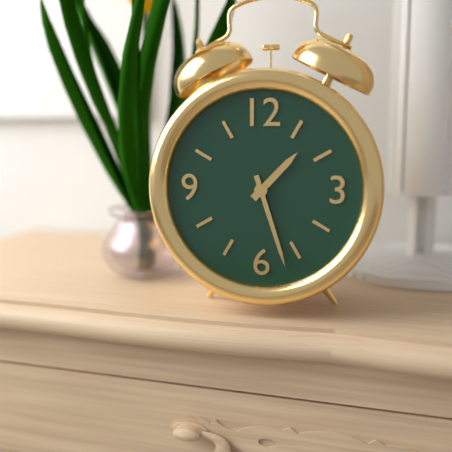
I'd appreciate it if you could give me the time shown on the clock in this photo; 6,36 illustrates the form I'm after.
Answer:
1,27
